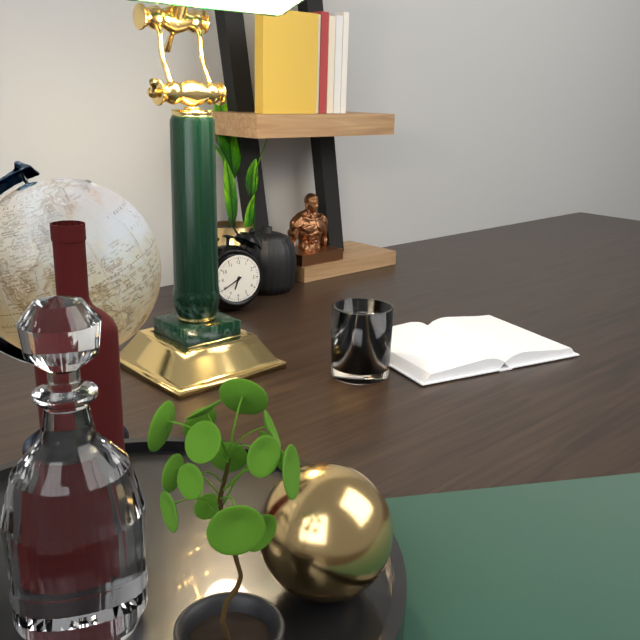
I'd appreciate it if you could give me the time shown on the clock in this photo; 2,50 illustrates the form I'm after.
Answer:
6,40
